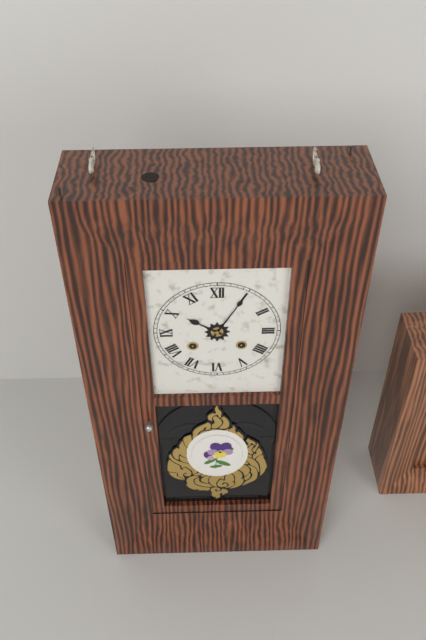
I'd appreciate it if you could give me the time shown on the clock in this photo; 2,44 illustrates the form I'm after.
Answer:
10,05
